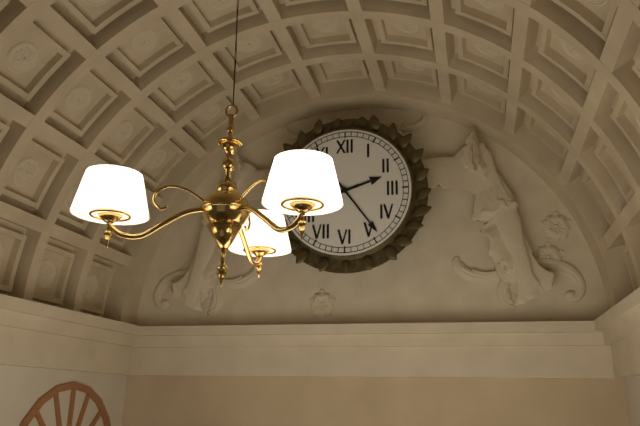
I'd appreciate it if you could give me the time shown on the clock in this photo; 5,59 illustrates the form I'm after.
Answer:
2,24
